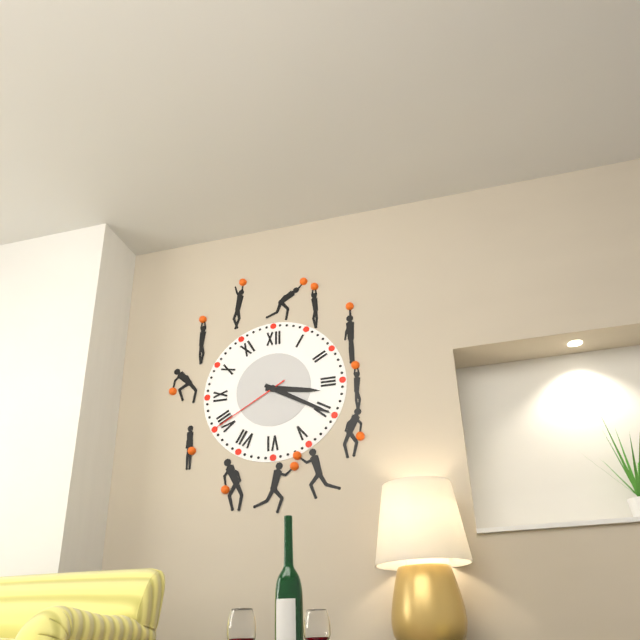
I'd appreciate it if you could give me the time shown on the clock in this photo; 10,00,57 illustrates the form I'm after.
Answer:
3,20,40
